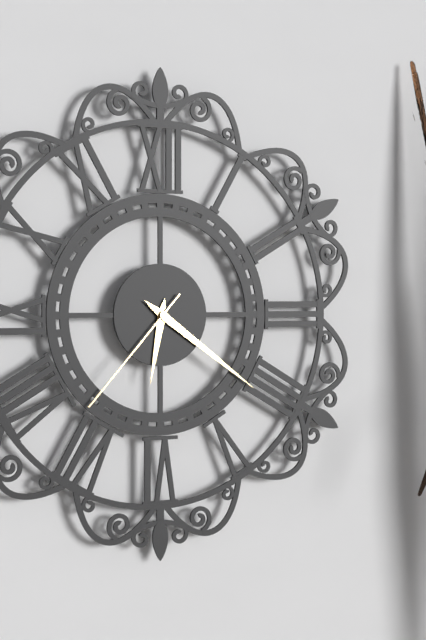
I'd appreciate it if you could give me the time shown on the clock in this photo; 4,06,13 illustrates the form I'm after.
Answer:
6,21,37
